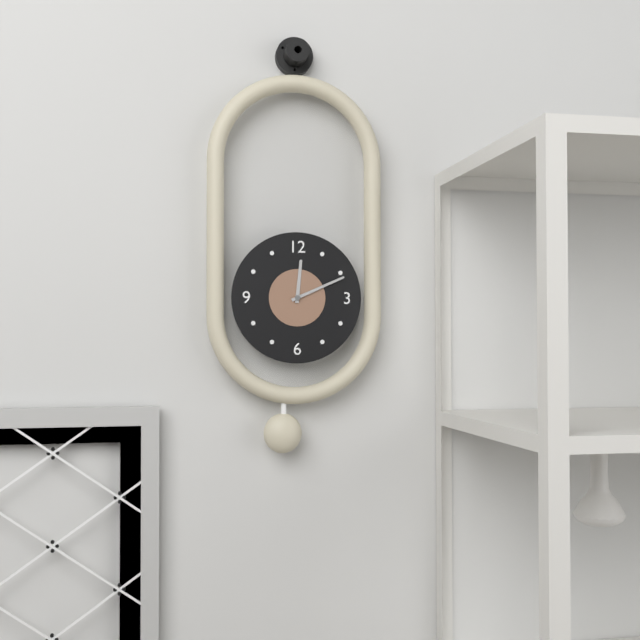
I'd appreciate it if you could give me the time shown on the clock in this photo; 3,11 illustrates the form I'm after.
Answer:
12,11
